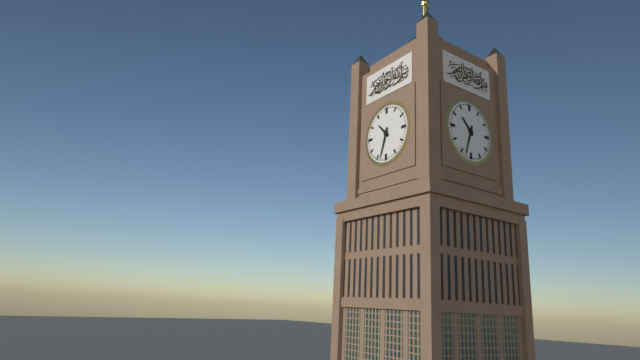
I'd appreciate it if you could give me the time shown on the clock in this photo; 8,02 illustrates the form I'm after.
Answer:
10,33
